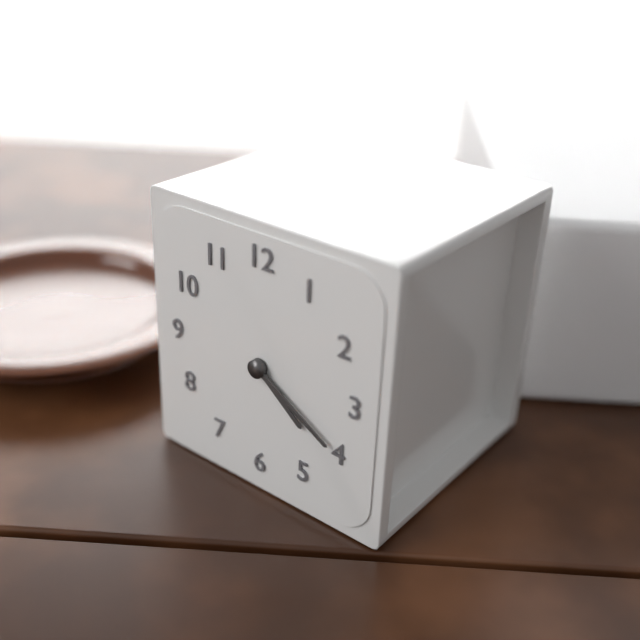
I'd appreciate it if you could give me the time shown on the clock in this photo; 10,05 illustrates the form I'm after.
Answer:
4,20
